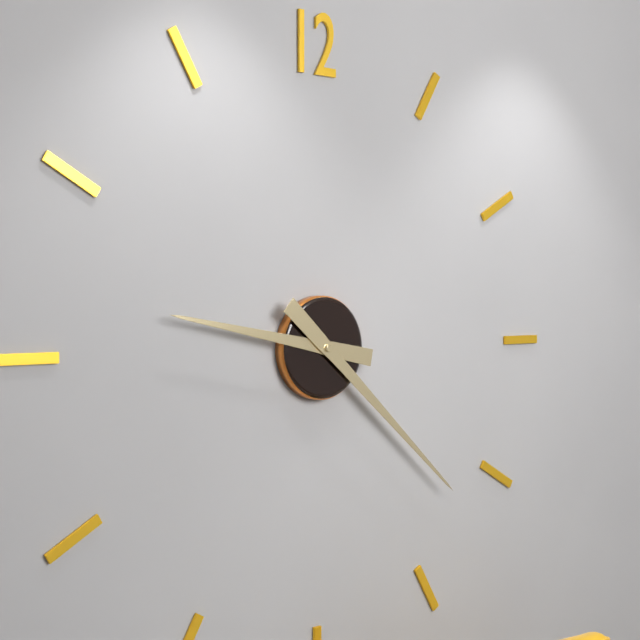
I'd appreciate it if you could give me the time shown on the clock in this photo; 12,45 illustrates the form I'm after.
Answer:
9,22
